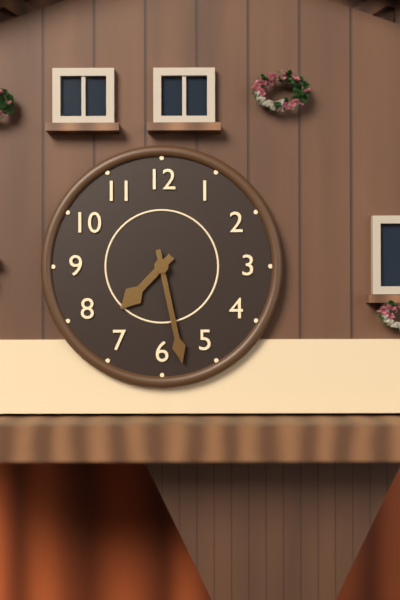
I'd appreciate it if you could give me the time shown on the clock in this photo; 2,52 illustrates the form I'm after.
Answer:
7,28
